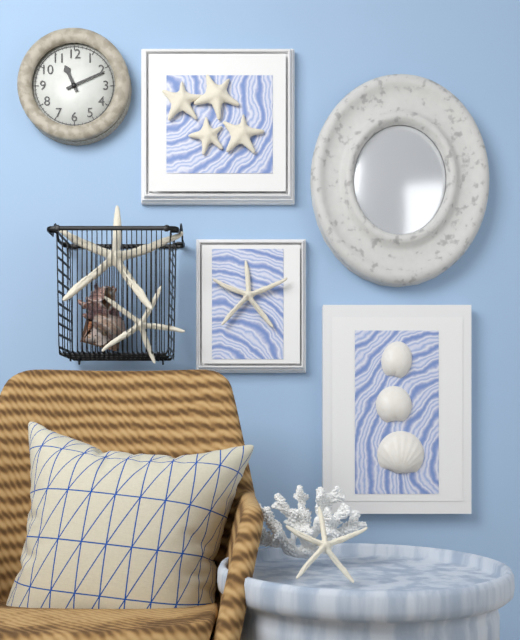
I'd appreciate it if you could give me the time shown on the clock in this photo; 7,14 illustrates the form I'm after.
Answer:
11,11
